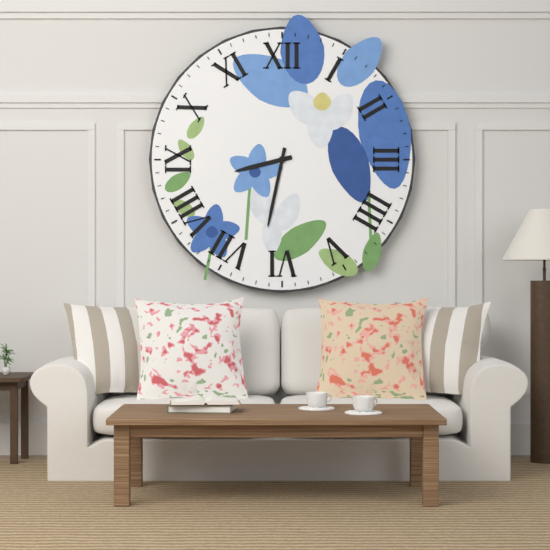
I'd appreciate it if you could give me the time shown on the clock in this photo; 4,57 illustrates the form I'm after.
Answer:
8,32
